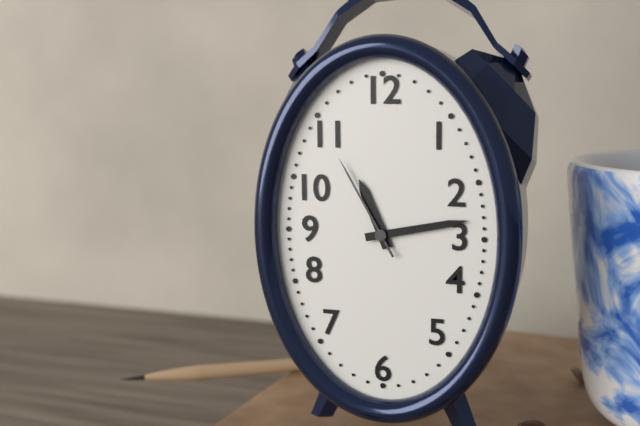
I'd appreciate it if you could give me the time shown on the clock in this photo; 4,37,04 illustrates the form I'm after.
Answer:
11,13,55
